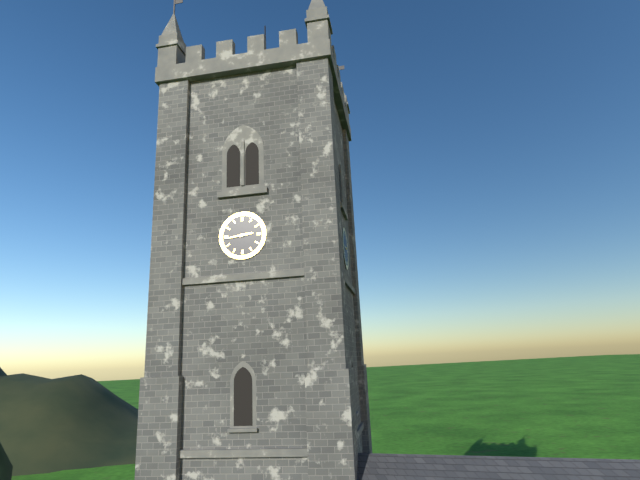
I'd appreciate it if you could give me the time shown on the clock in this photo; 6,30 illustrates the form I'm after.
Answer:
2,44
